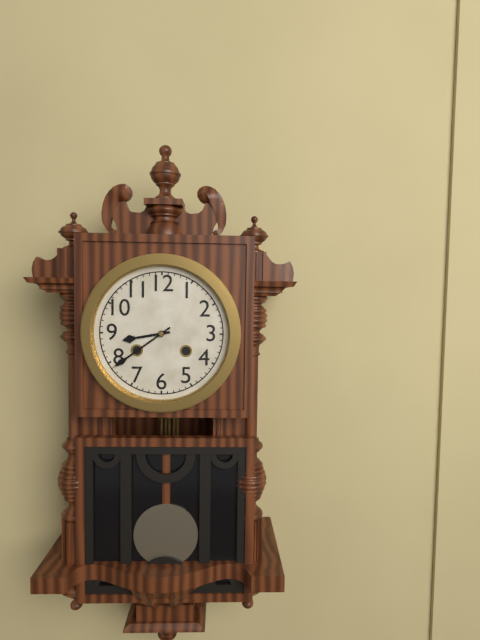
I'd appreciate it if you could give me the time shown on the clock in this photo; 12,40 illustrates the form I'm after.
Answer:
8,39
